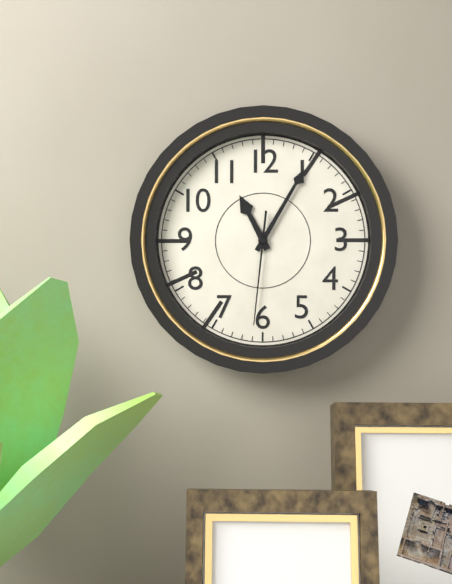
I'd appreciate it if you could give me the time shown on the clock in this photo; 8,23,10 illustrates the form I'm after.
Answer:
11,05,31
